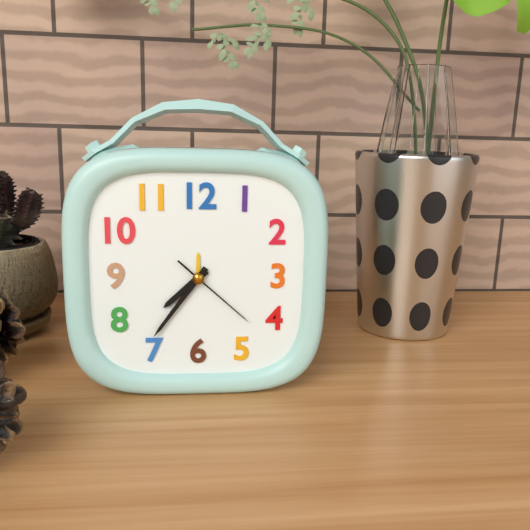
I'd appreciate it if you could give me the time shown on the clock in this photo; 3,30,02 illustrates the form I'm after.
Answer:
7,36,22
